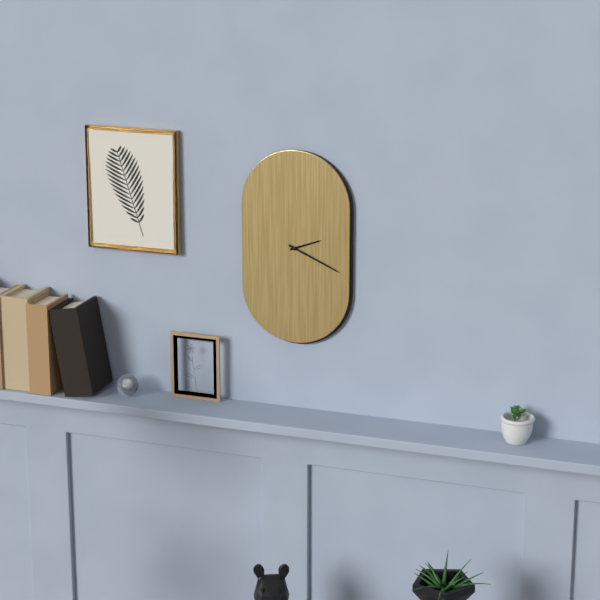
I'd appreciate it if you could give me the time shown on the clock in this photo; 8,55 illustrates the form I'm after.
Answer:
2,19
